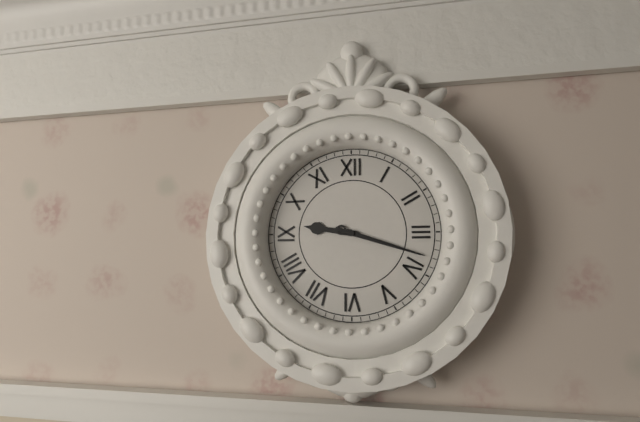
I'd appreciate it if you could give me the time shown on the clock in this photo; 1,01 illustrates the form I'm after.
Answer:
9,18
